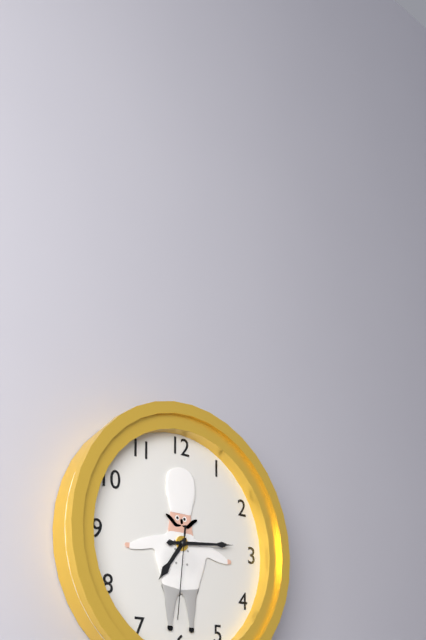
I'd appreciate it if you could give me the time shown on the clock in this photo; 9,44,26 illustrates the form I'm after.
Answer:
7,14,31
